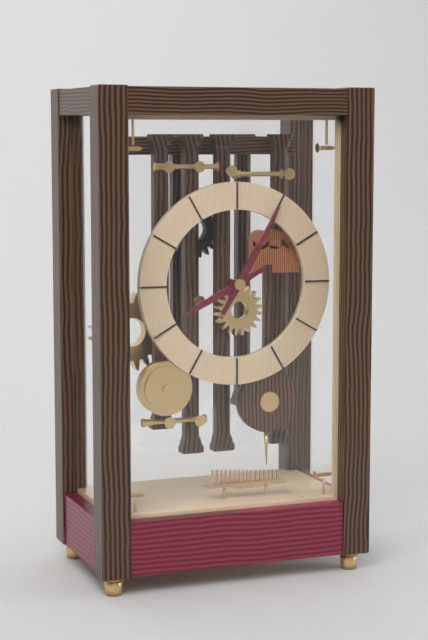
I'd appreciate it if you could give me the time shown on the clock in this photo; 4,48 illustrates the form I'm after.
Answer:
8,05
